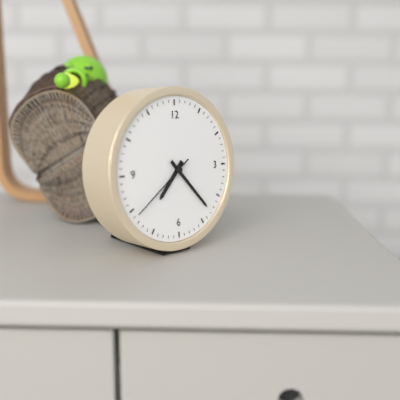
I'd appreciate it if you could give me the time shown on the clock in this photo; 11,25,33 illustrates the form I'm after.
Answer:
7,23,39
